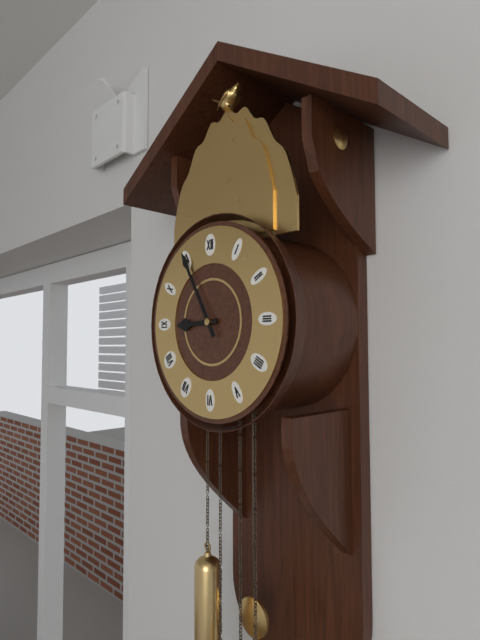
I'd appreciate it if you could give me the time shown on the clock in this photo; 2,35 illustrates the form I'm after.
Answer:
8,55
